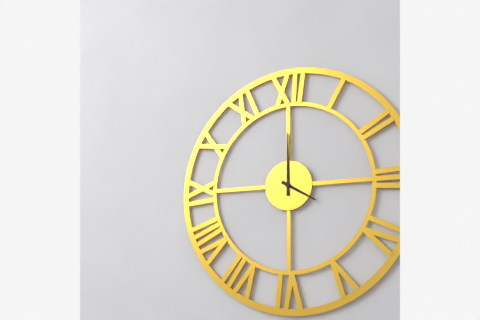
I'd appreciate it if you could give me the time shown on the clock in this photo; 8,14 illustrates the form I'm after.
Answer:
4,00
